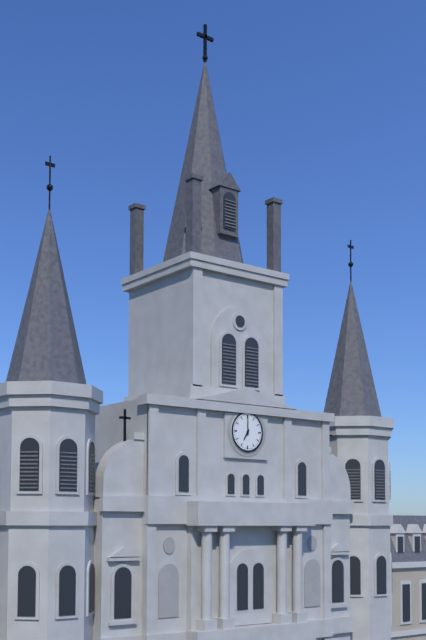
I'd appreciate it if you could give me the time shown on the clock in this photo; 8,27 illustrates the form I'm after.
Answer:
7,00
